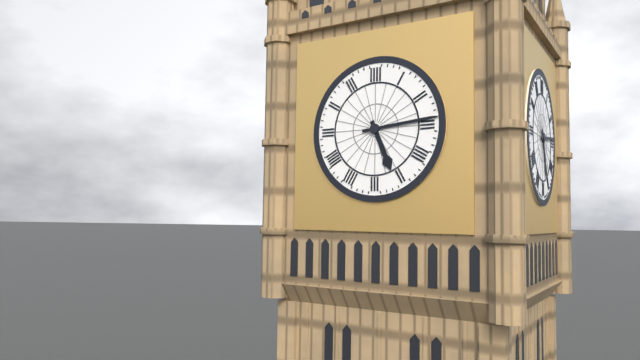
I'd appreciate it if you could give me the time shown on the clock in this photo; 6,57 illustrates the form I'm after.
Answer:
5,14
